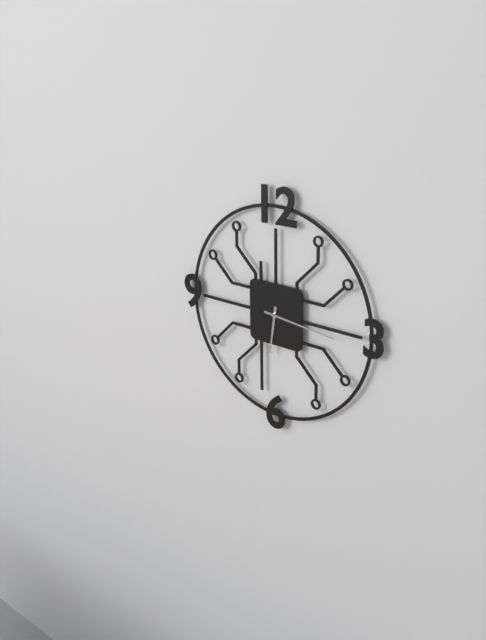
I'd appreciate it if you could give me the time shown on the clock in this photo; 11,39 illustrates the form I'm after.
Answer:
6,16
